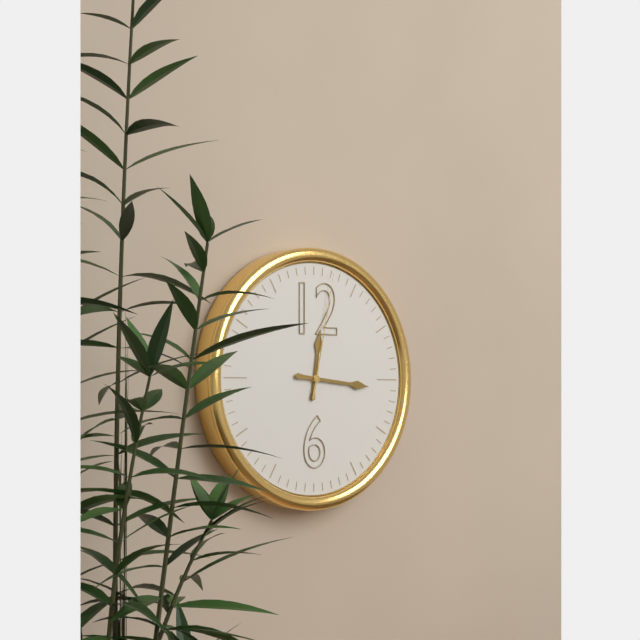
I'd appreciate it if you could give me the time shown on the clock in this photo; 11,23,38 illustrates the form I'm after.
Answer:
12,16,02
